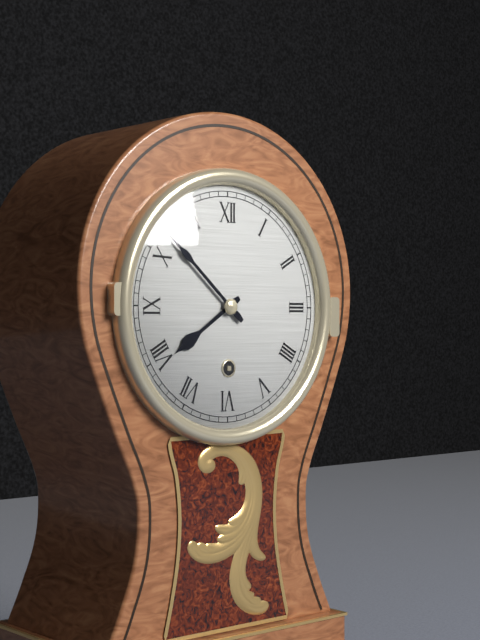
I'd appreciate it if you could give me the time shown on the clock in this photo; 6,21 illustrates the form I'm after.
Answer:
7,52
